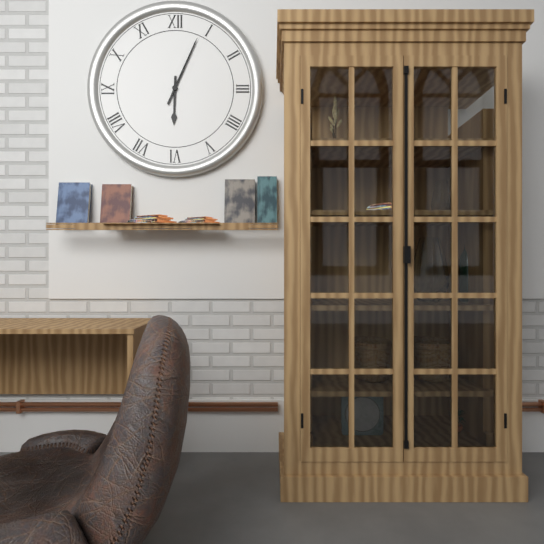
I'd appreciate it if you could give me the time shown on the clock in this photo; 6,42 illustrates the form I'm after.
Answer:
6,04
